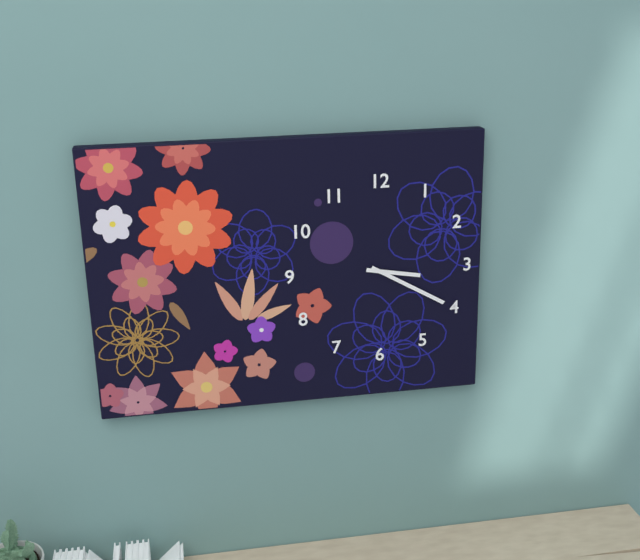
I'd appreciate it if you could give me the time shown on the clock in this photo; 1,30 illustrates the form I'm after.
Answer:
3,20
